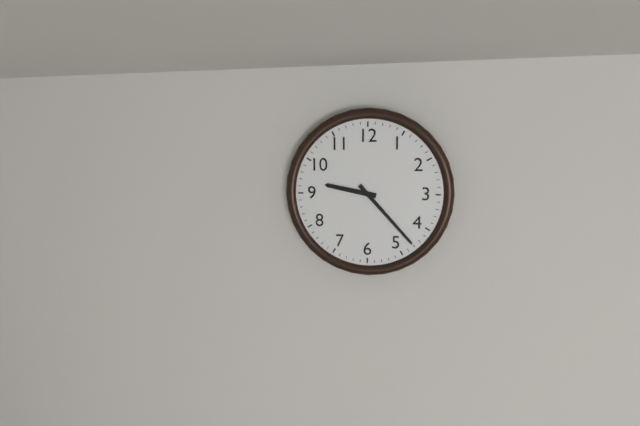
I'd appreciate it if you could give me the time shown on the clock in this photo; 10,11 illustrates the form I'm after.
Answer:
9,23
